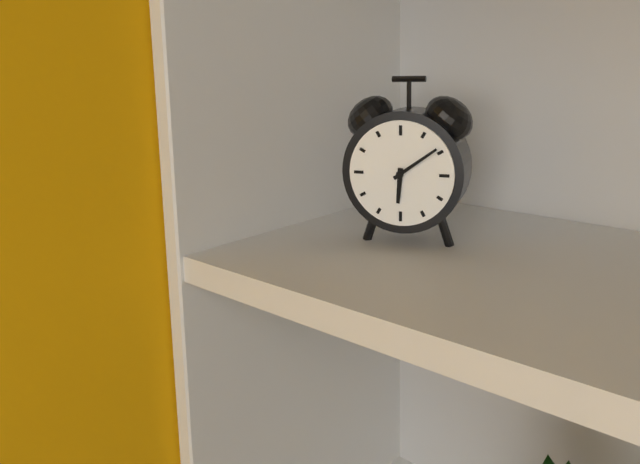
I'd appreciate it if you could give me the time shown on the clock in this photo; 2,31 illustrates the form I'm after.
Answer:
6,09
